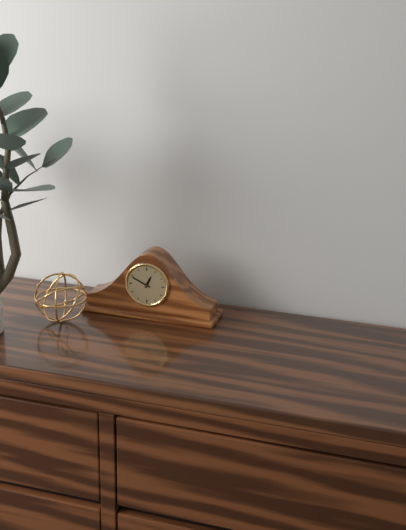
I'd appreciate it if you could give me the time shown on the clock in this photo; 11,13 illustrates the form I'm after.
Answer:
12,49
